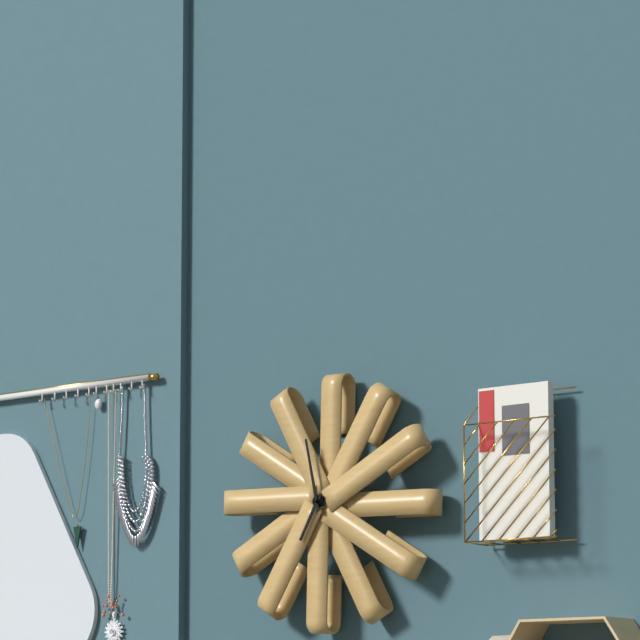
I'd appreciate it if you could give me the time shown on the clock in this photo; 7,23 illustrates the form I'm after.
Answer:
6,58
